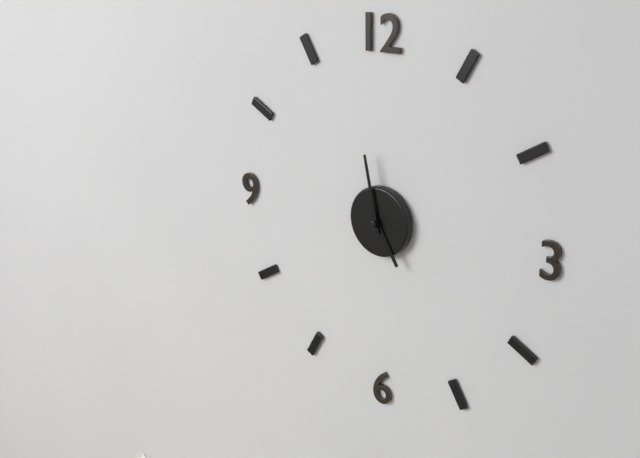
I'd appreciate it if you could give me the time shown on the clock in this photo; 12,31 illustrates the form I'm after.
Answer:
4,58
